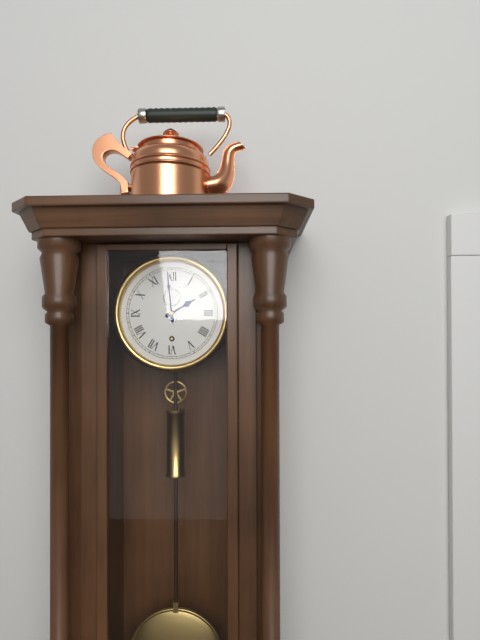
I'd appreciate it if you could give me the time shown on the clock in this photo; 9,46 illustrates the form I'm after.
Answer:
1,59
